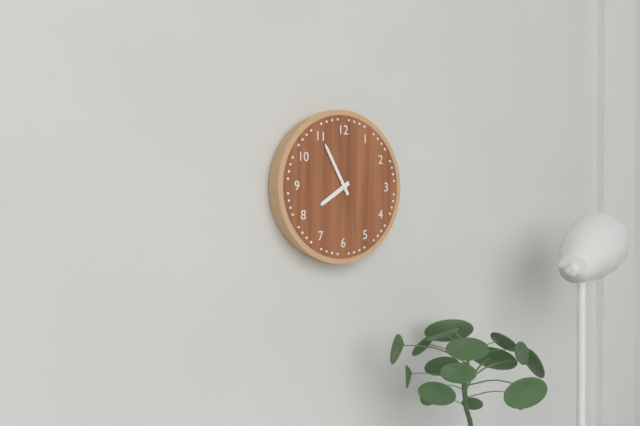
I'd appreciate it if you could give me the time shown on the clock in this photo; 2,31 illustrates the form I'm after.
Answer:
7,55
